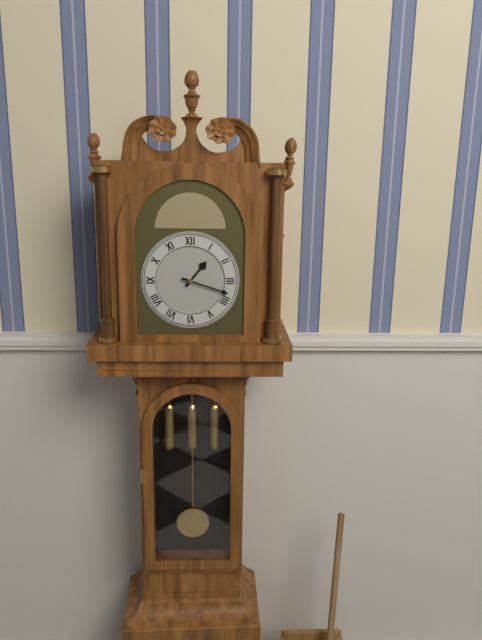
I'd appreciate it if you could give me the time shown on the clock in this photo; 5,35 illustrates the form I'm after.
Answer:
1,18
